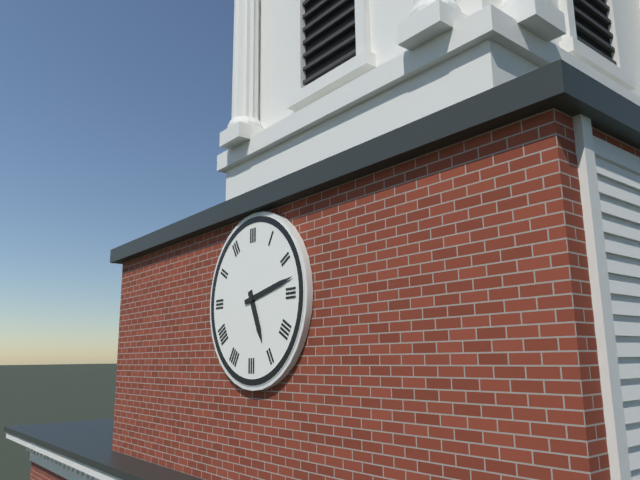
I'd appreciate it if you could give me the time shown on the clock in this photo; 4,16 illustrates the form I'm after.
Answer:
5,13
